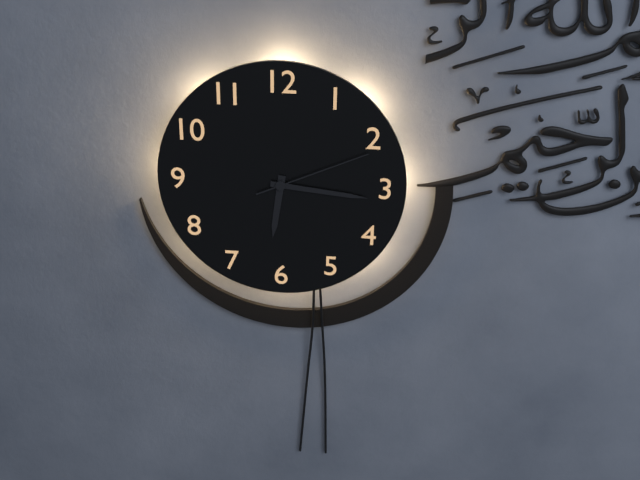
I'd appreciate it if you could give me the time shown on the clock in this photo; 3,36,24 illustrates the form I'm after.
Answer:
6,16,11
